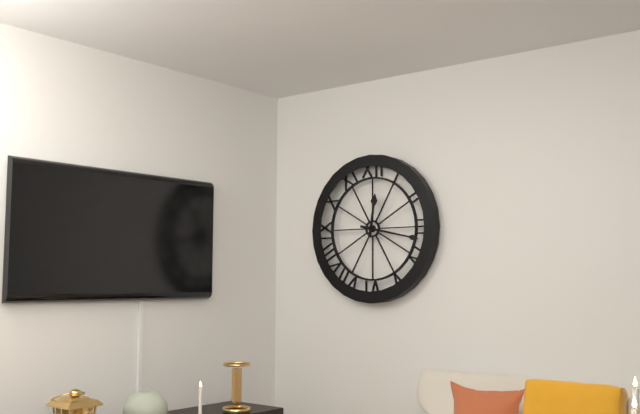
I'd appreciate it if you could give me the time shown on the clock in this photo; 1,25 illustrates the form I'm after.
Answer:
12,17
